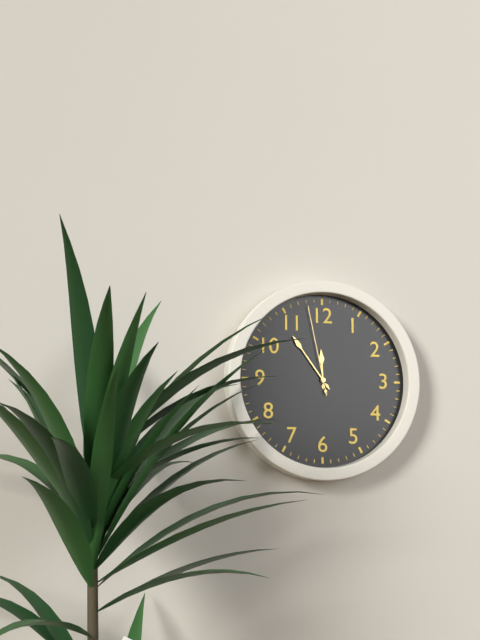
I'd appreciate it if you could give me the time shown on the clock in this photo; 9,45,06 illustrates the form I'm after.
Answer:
11,54,58
